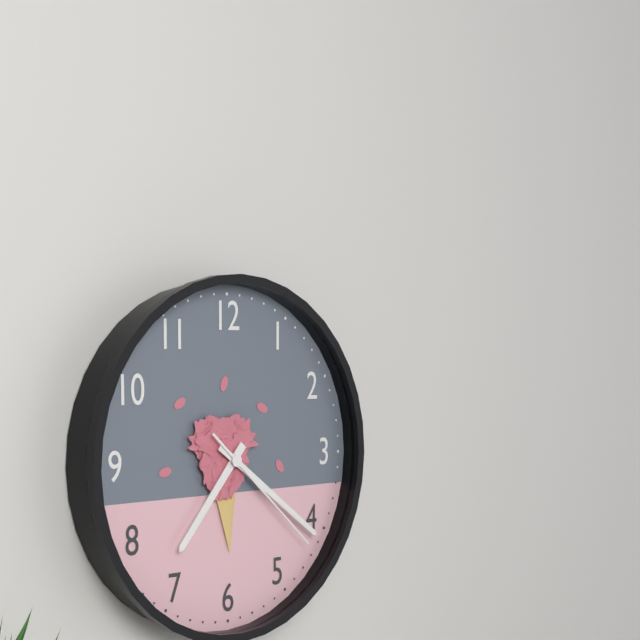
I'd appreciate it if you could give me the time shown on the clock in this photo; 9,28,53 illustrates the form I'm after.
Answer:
7,21,22
